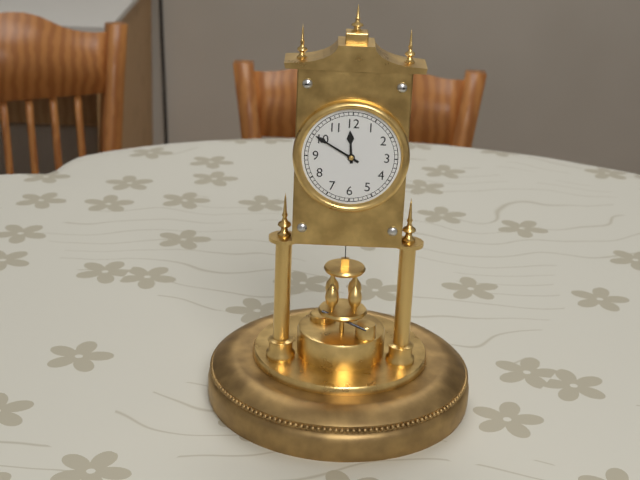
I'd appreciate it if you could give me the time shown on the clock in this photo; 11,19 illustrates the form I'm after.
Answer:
11,50
